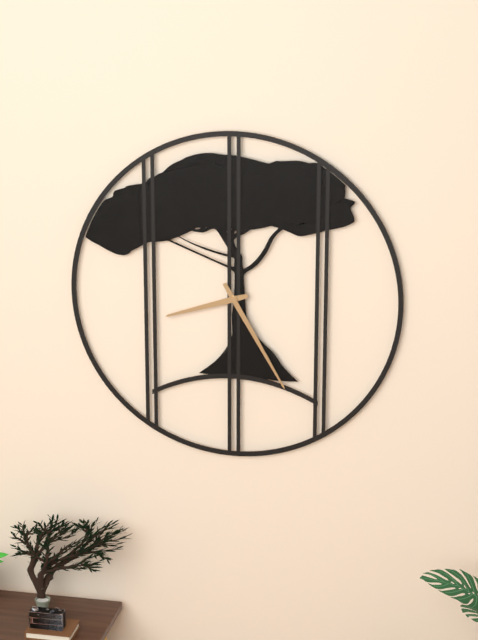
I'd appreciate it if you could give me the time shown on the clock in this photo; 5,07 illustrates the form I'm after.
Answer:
8,25
